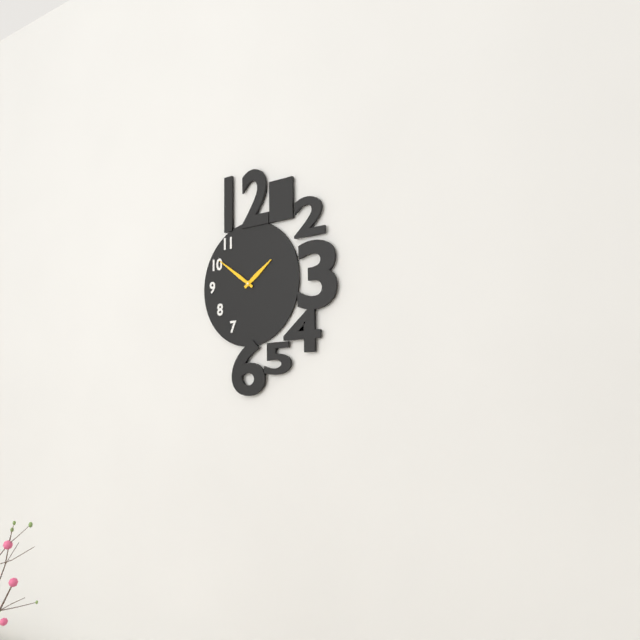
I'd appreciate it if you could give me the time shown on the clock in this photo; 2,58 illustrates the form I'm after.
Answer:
1,51
